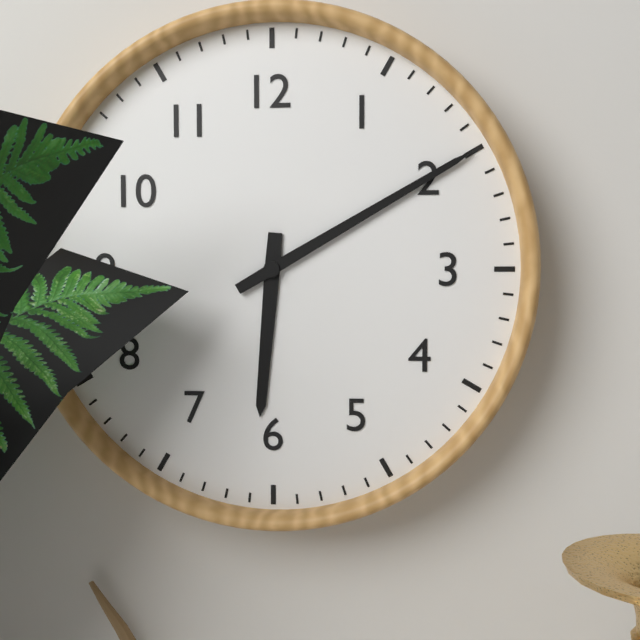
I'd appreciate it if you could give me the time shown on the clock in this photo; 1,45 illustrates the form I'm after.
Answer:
6,10
